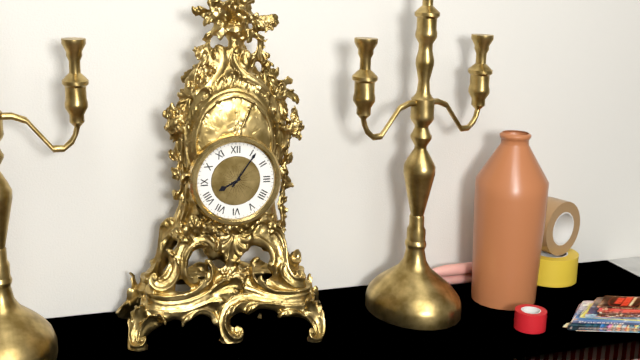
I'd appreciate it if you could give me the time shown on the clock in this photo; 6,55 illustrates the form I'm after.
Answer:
8,06
